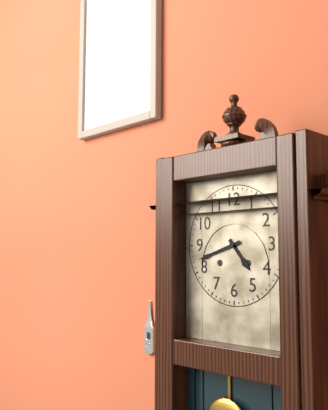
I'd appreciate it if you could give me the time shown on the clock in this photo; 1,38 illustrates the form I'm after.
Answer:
4,42
